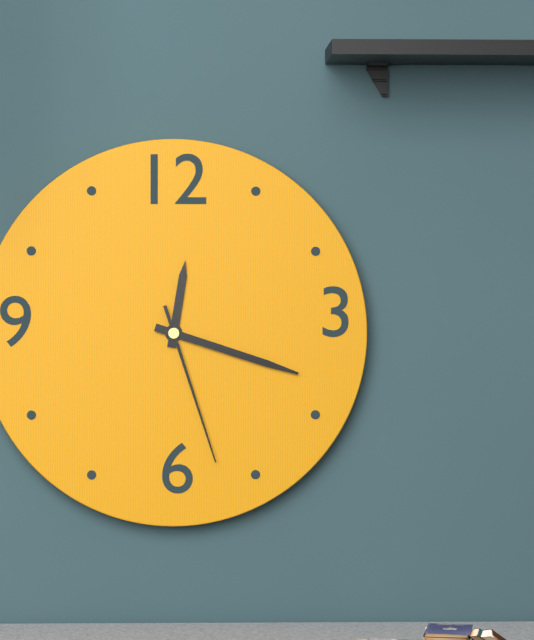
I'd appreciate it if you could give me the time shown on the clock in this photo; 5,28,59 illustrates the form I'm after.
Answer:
12,18,27
